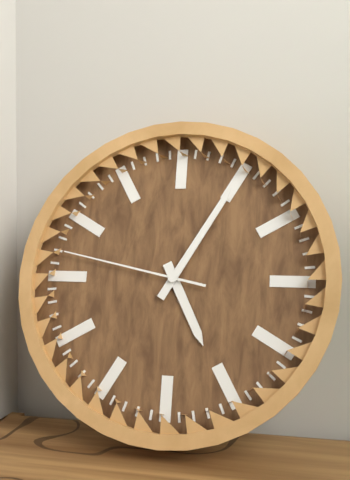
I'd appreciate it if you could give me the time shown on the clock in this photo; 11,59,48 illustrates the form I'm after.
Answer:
5,05,47
